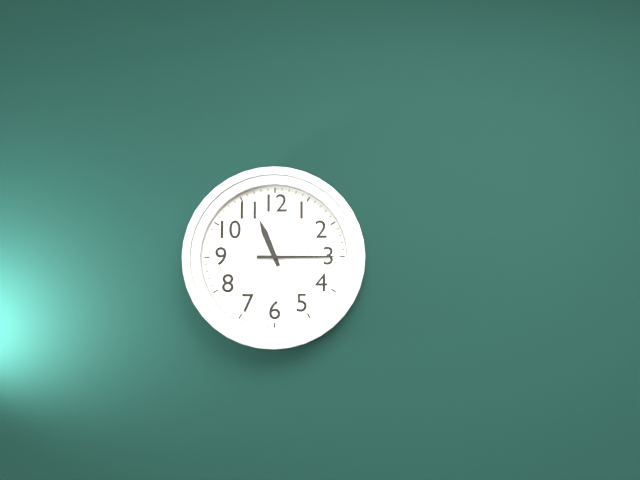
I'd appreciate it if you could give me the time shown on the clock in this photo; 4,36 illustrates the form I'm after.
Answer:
11,15
